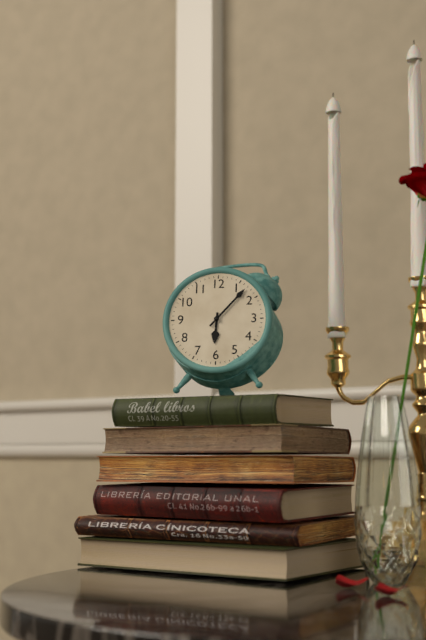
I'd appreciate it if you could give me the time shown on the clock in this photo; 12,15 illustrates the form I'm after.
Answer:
6,07
